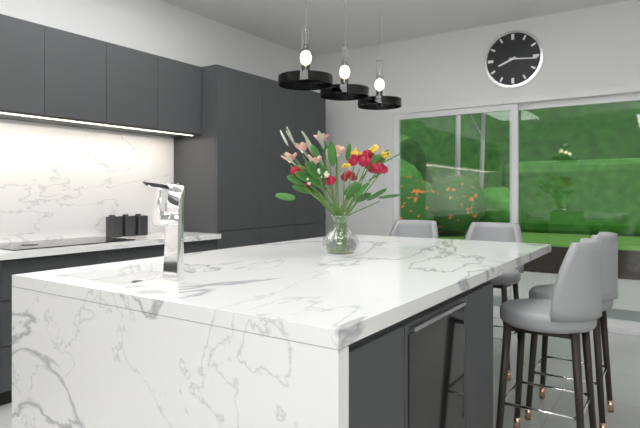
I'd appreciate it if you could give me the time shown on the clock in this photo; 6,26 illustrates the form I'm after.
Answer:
8,16
